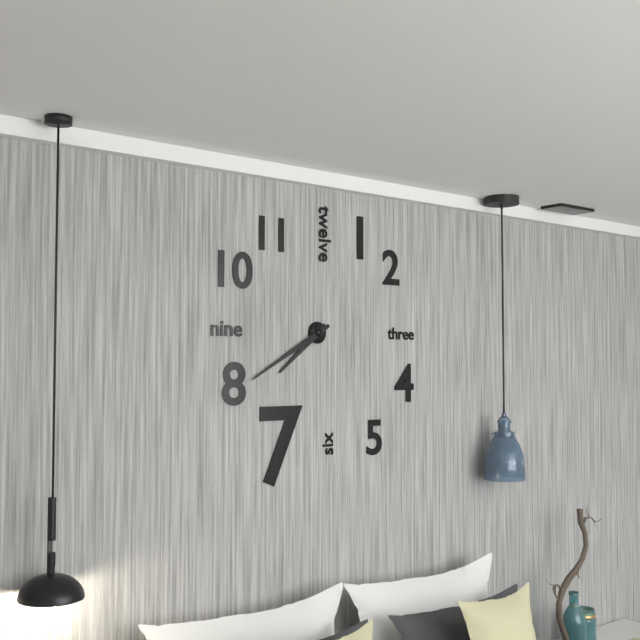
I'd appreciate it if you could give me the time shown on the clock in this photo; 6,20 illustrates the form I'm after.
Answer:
7,40
